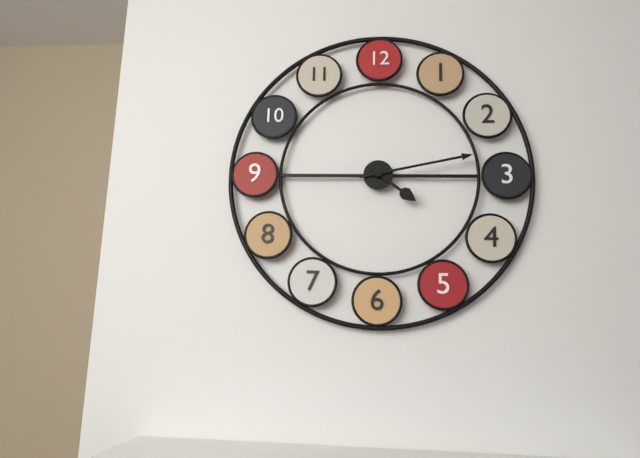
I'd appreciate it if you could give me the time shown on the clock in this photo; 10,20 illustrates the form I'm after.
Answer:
4,13
